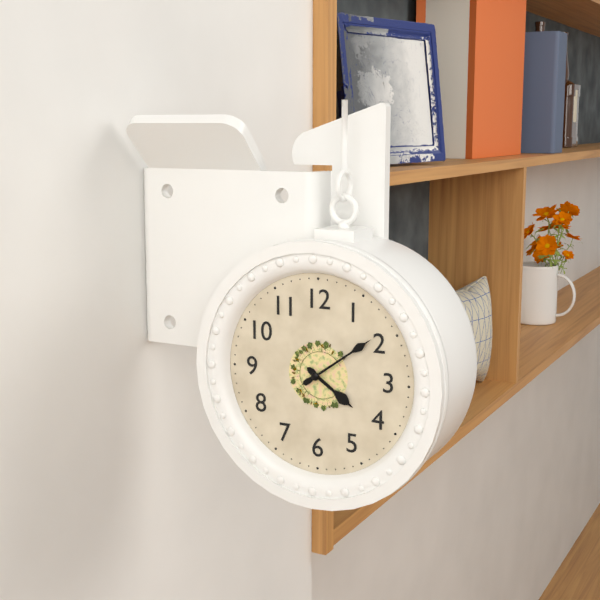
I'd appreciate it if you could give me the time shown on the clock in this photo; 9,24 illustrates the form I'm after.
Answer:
4,09
